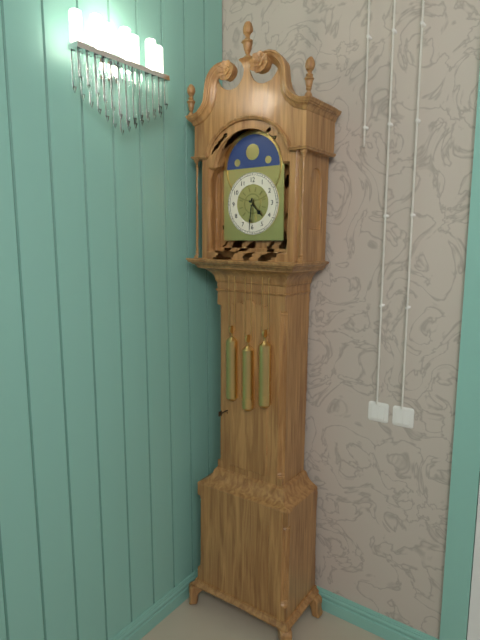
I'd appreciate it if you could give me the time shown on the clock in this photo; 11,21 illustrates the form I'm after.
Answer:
4,31
